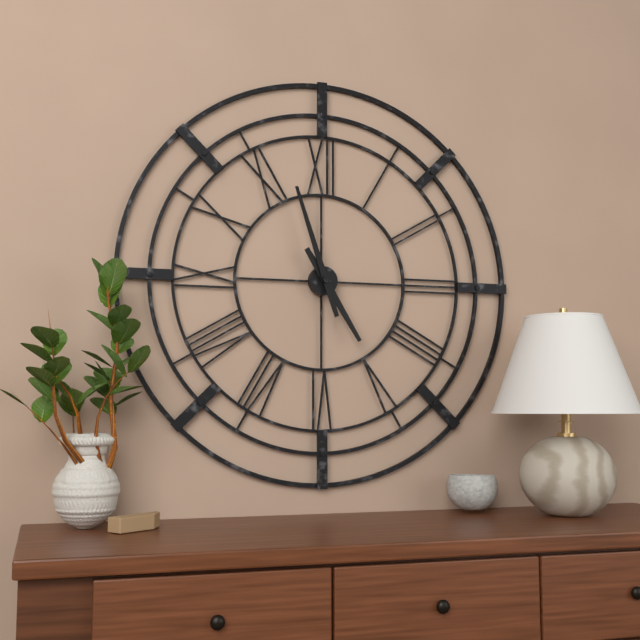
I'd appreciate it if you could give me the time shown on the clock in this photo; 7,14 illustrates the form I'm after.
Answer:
4,57
